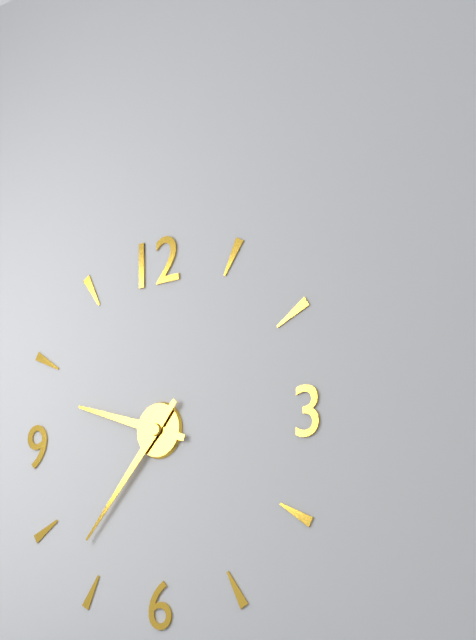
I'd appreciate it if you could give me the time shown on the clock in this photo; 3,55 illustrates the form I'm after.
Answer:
9,37
